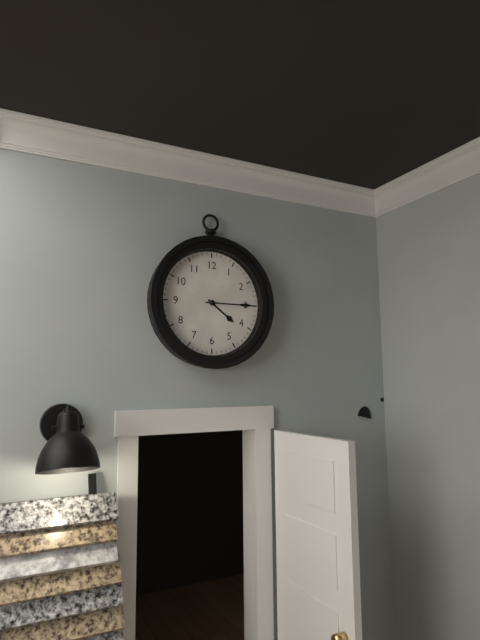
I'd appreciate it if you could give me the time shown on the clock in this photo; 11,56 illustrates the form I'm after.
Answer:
4,15
